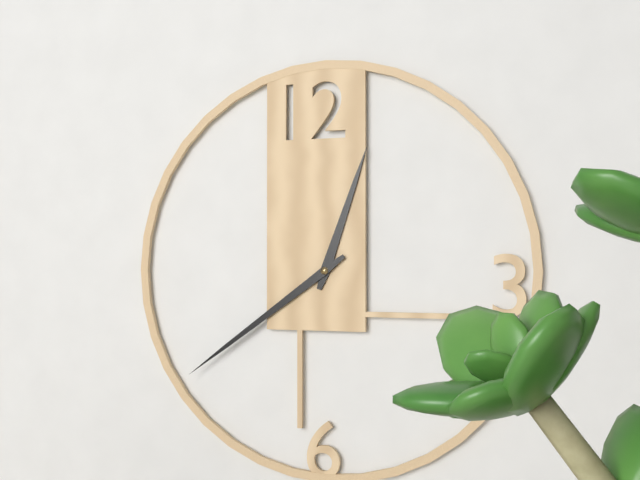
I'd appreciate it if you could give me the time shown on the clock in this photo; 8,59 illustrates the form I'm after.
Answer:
12,39
